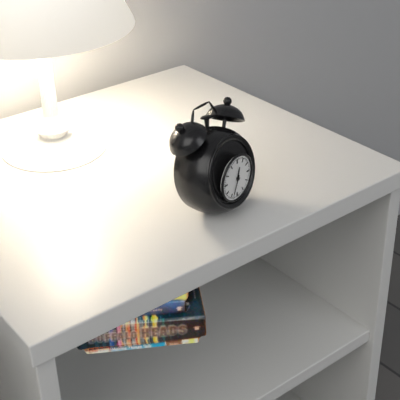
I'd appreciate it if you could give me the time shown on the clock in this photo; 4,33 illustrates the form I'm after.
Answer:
12,34
